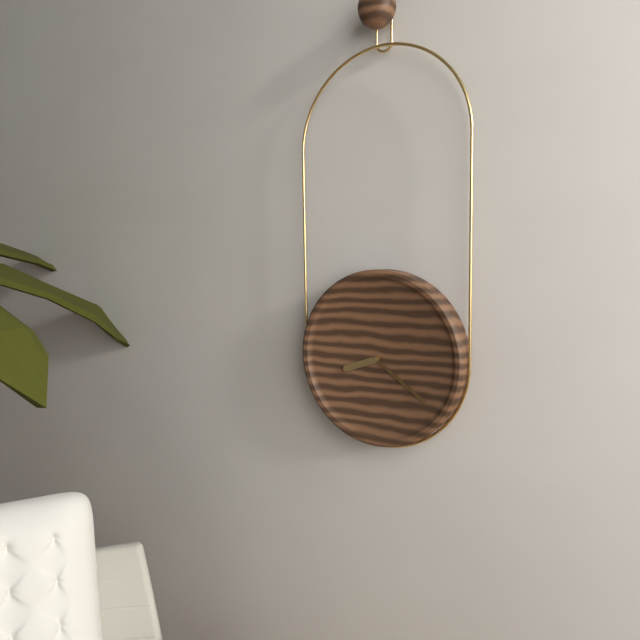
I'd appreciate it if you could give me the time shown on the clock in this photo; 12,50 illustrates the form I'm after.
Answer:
8,21
